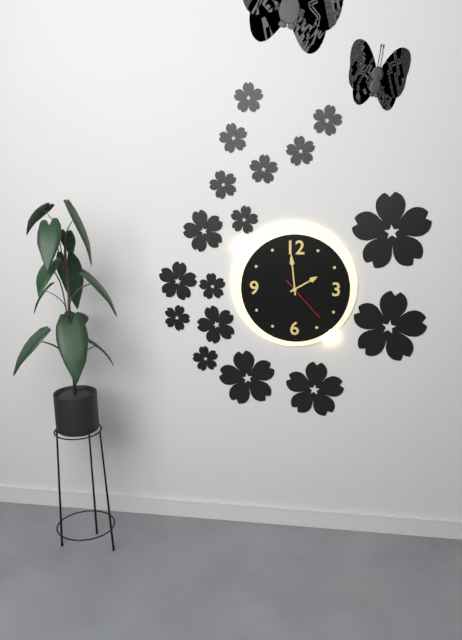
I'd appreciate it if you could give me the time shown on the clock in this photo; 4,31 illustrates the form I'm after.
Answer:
1,59
